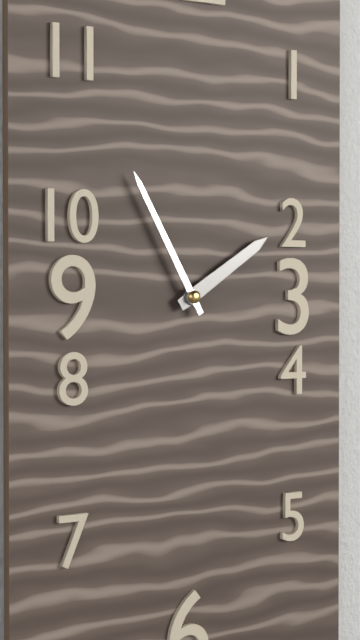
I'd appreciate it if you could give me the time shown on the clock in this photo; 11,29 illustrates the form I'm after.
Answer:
1,55
